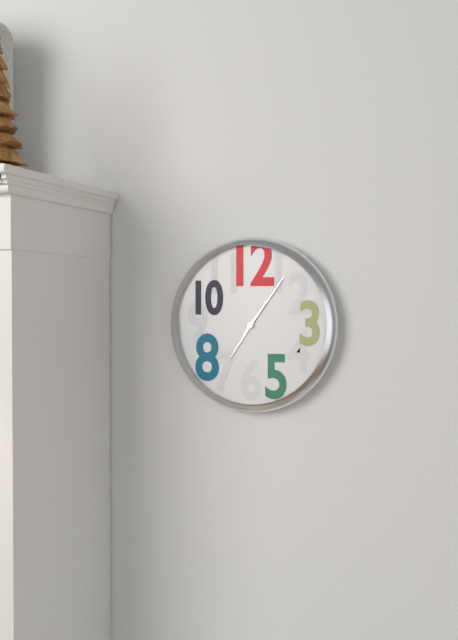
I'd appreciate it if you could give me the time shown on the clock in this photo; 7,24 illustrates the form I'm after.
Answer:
7,06
